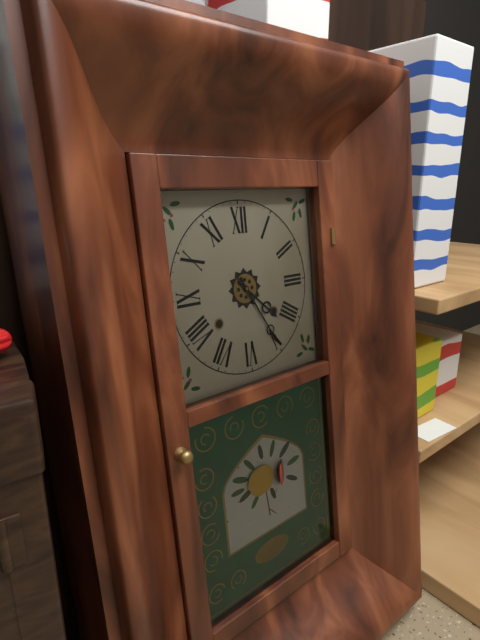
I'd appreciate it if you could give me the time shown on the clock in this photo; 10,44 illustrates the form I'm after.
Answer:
4,25
